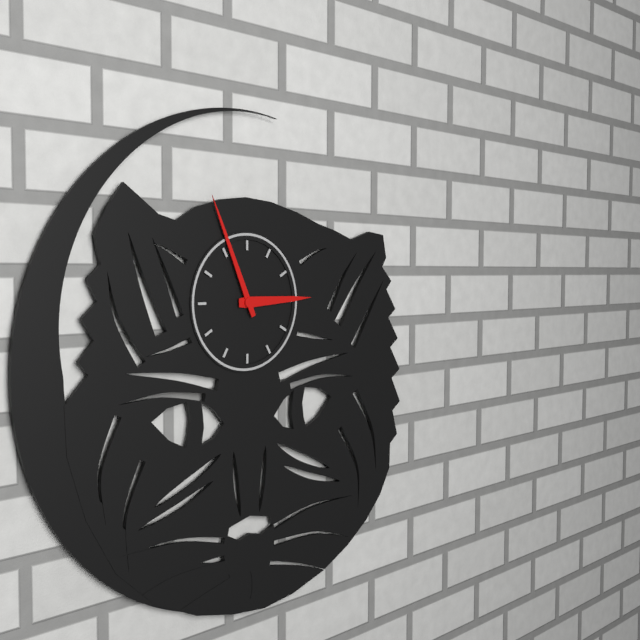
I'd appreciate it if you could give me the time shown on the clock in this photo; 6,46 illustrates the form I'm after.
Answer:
2,56
